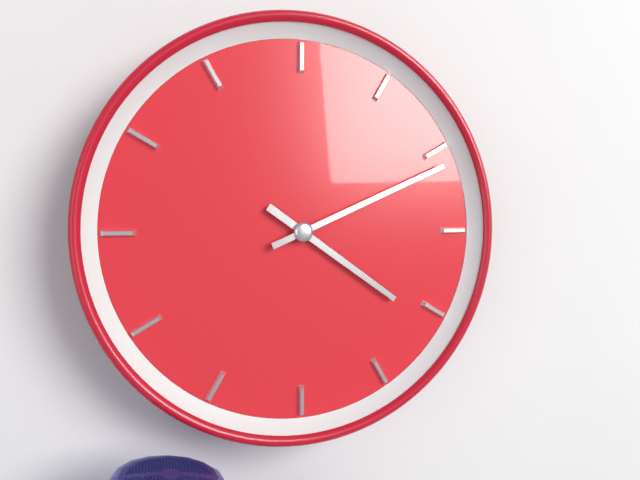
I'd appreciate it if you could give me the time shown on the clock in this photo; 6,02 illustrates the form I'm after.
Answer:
4,11
